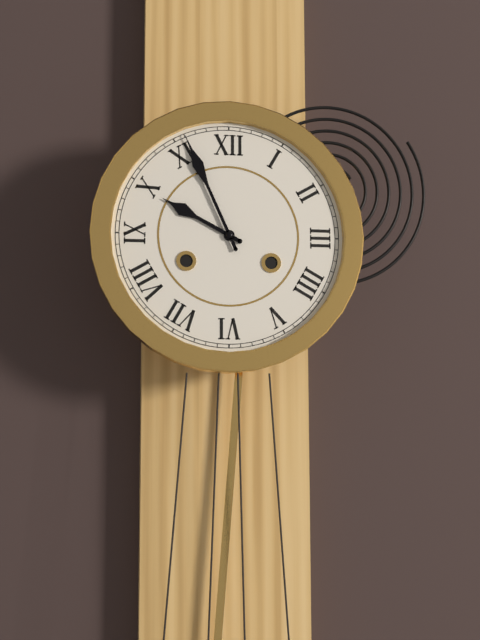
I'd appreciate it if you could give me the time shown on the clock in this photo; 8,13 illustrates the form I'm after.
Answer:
9,56
